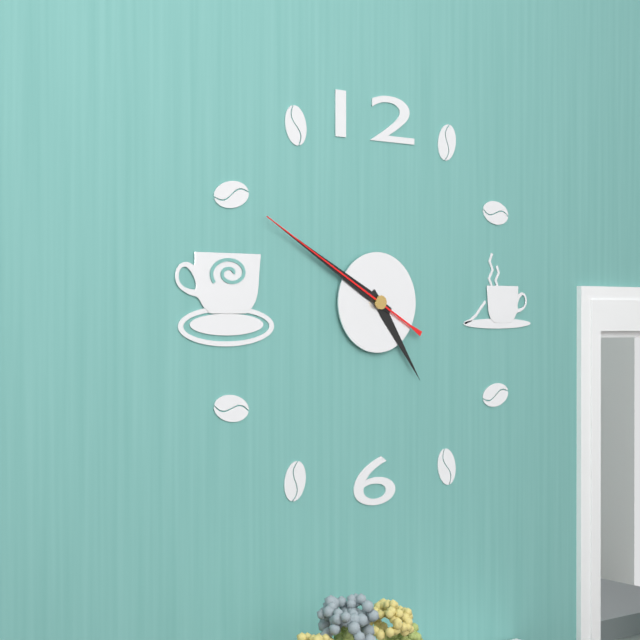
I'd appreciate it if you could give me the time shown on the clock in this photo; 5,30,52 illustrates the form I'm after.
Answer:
4,50,50
